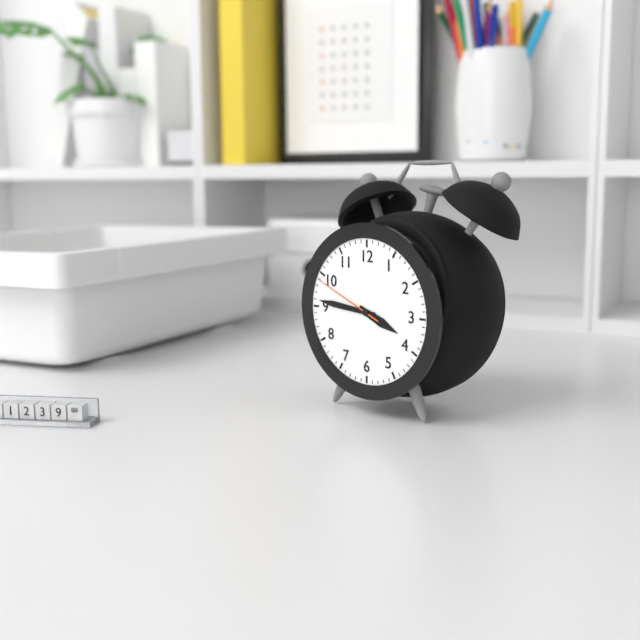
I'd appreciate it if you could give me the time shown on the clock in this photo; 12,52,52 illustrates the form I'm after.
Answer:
3,46,49
